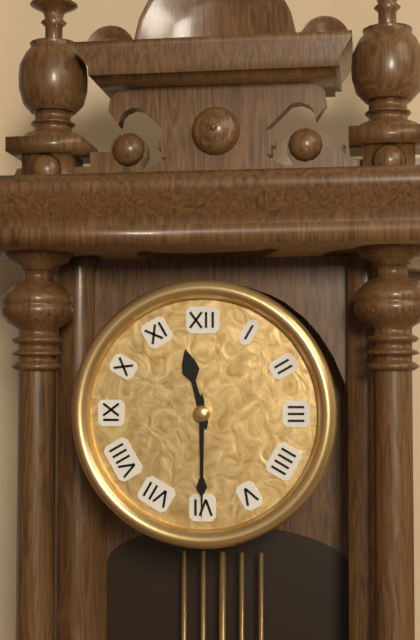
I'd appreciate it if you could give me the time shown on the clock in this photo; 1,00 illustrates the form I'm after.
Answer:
11,30
